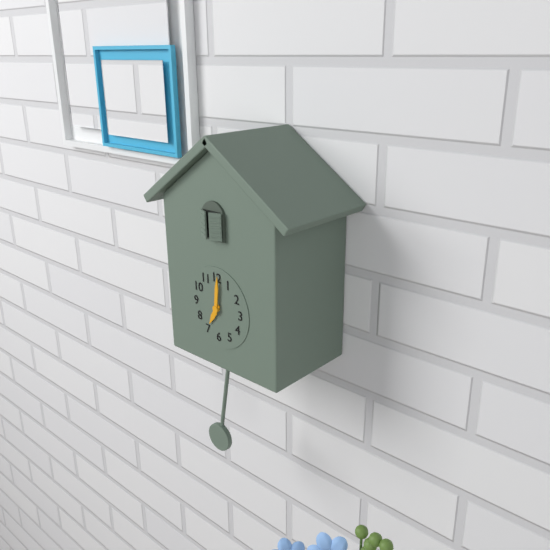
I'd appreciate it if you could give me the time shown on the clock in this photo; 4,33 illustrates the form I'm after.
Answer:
7,01
